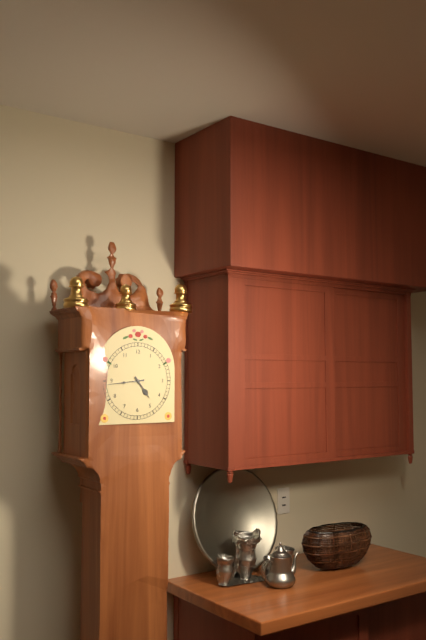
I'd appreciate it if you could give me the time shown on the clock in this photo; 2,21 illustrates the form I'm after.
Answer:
4,44
